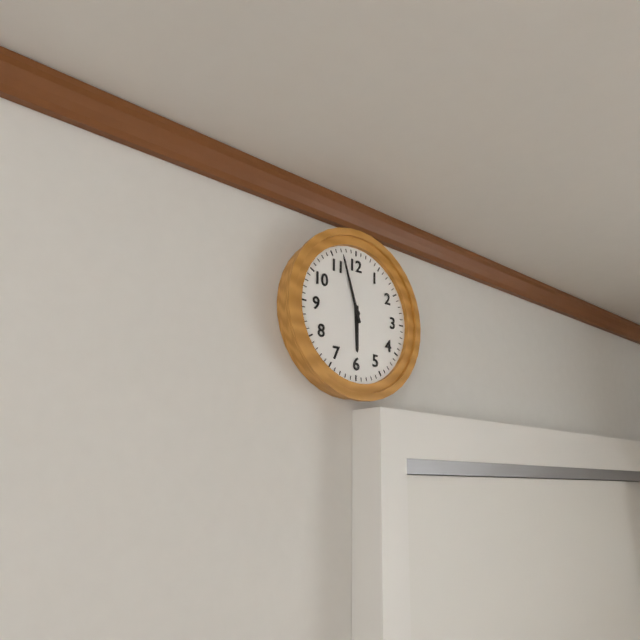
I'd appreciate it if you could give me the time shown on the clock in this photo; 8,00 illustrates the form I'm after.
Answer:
5,57
